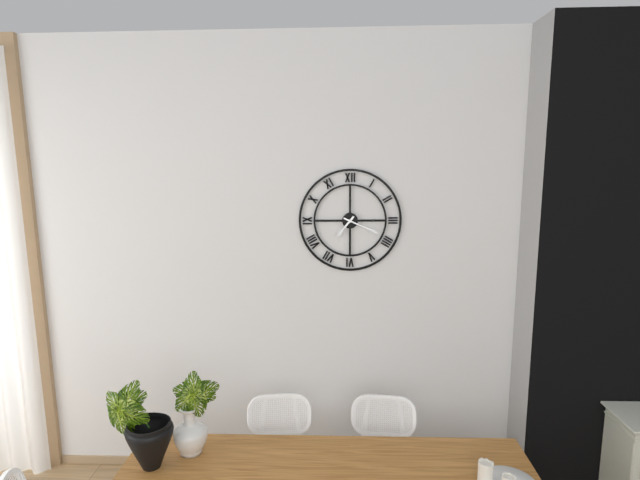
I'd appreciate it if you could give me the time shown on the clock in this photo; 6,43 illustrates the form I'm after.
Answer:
7,19
